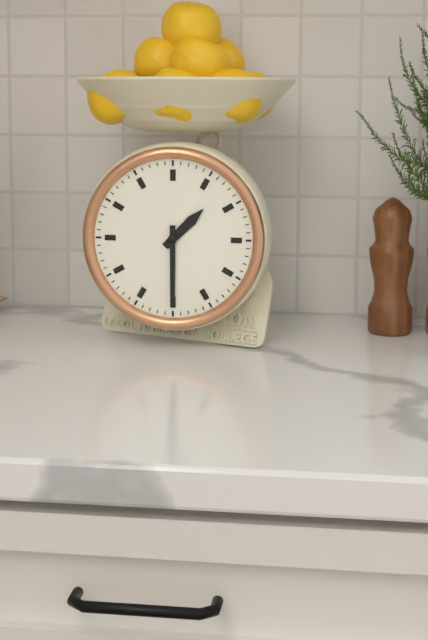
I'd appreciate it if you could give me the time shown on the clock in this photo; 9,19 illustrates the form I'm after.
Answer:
1,30
